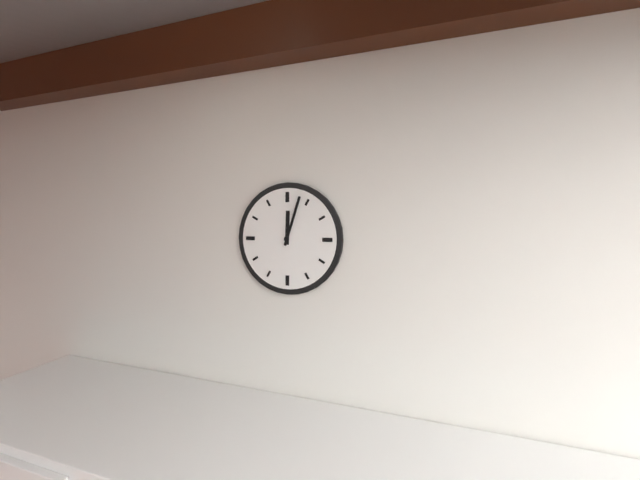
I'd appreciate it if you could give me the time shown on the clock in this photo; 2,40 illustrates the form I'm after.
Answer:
12,03
